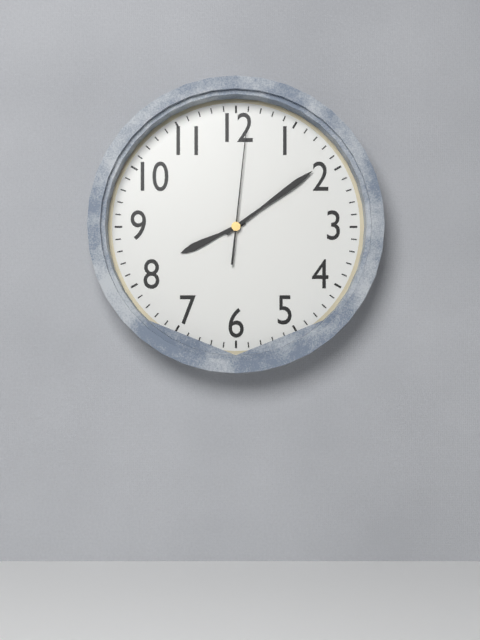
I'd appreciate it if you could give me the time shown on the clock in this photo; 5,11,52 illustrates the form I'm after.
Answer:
8,09,01
